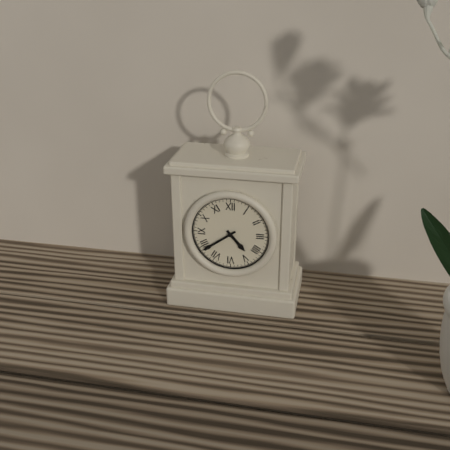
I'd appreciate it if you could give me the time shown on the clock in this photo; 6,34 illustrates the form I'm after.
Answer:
4,39
